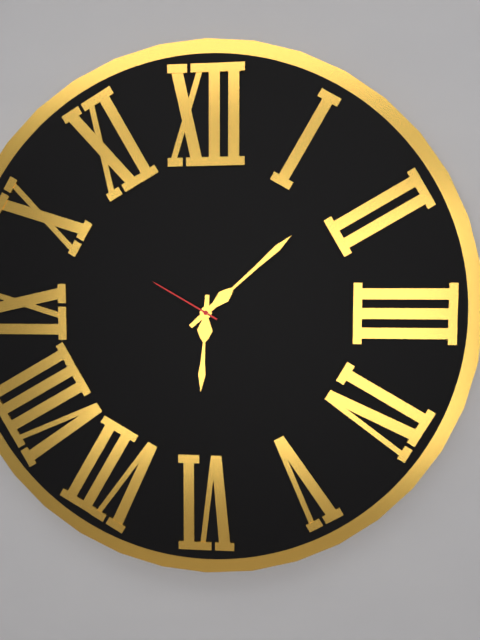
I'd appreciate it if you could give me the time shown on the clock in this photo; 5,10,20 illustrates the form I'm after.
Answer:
6,08,50
